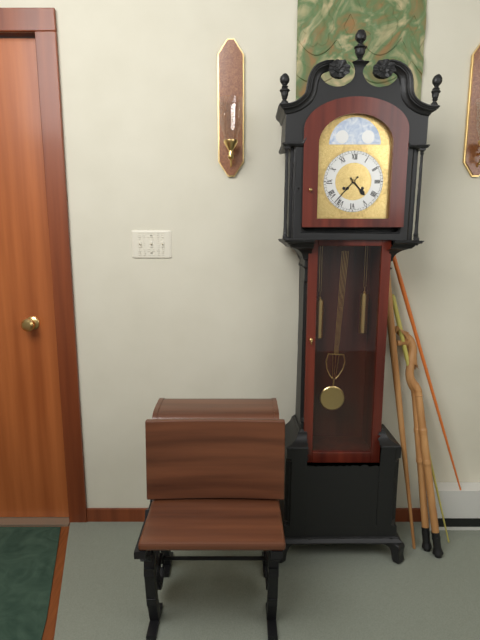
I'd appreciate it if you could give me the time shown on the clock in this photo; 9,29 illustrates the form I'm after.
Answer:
4,37
